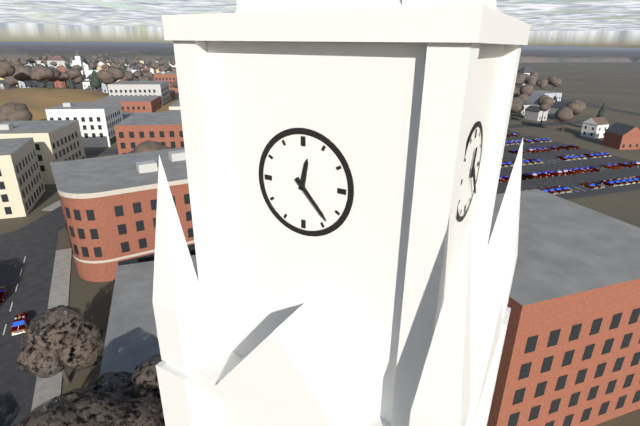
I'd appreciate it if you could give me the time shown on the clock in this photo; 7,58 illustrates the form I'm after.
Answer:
12,23
